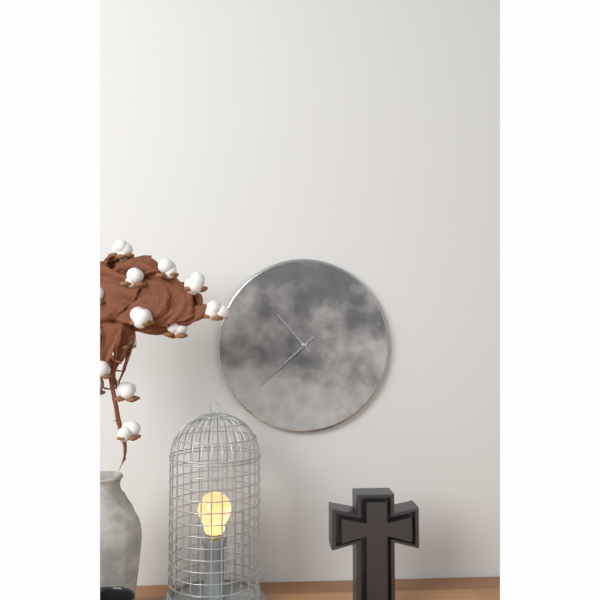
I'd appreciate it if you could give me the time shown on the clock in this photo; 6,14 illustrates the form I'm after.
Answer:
10,38
